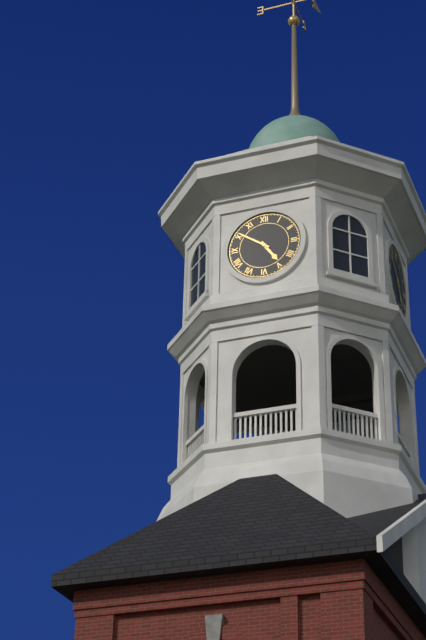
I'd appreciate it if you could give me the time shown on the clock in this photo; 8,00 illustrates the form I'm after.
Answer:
4,51
